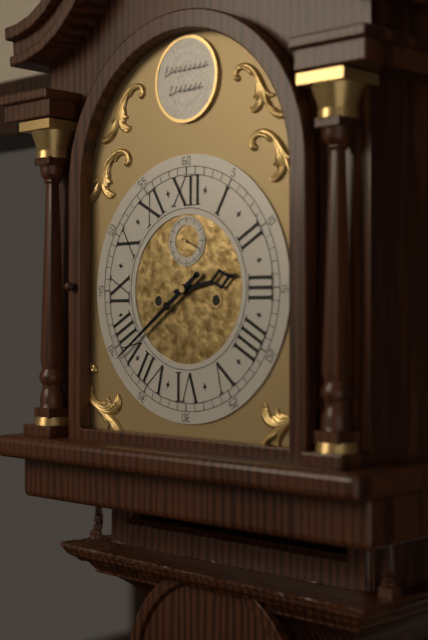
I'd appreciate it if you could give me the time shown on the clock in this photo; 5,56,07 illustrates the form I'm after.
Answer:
2,39,19
